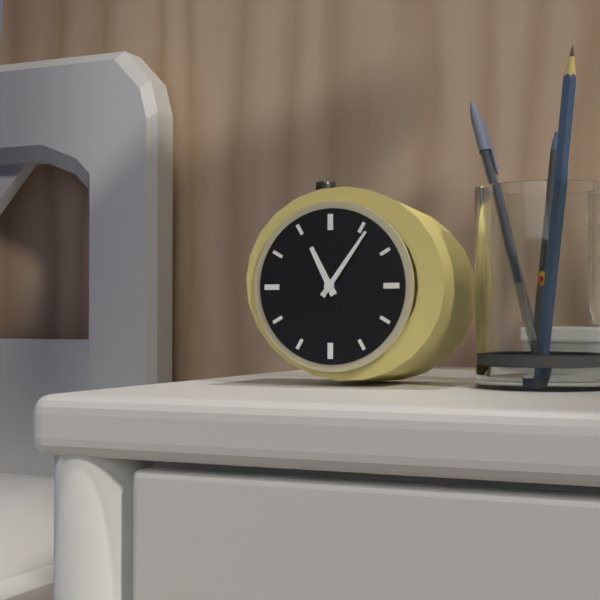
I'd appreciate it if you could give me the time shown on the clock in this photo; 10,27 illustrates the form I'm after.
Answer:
11,06
